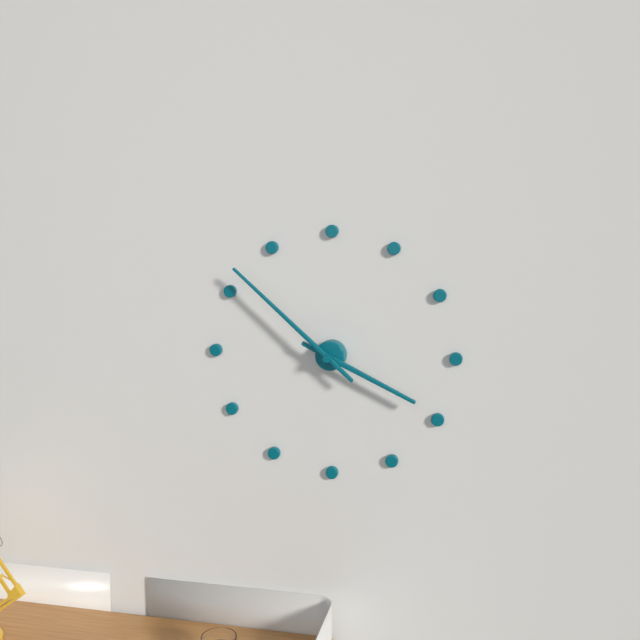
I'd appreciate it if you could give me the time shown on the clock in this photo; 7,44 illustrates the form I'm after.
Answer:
3,52
